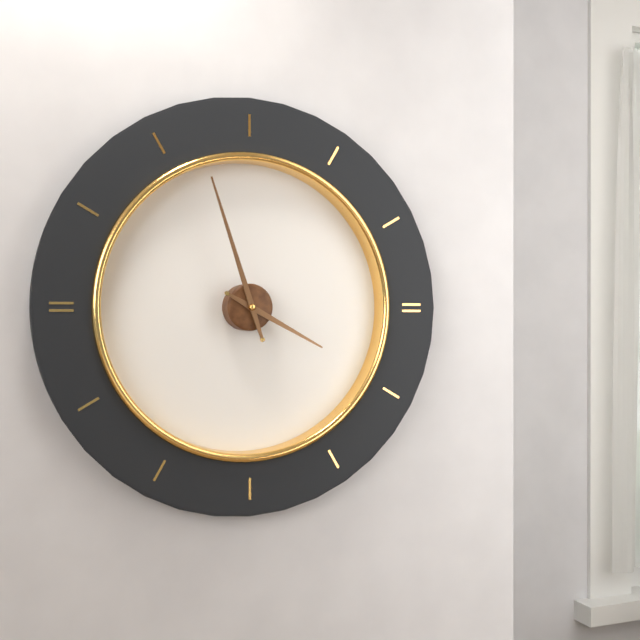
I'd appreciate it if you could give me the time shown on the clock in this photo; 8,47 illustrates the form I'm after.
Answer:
3,57
